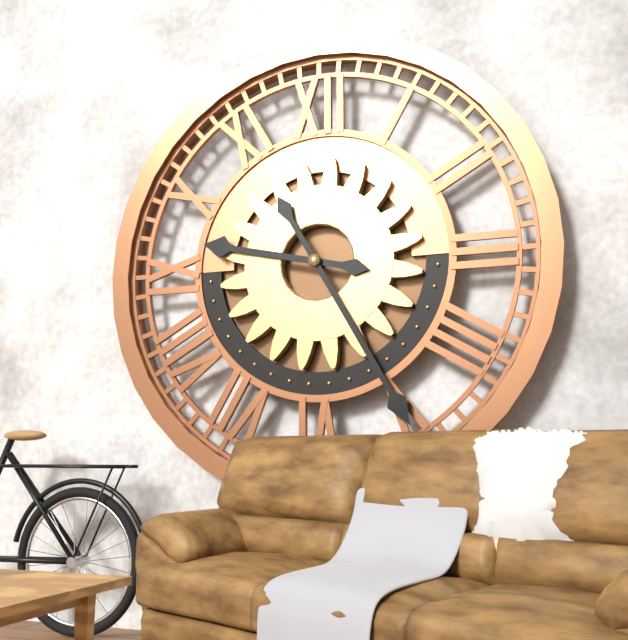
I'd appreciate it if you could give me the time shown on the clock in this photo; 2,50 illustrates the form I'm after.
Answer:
9,25
